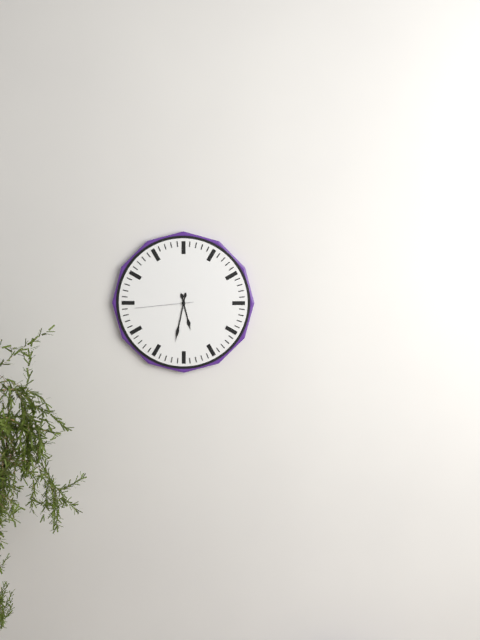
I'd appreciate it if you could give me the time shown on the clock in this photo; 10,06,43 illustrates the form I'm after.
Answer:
5,32,44
